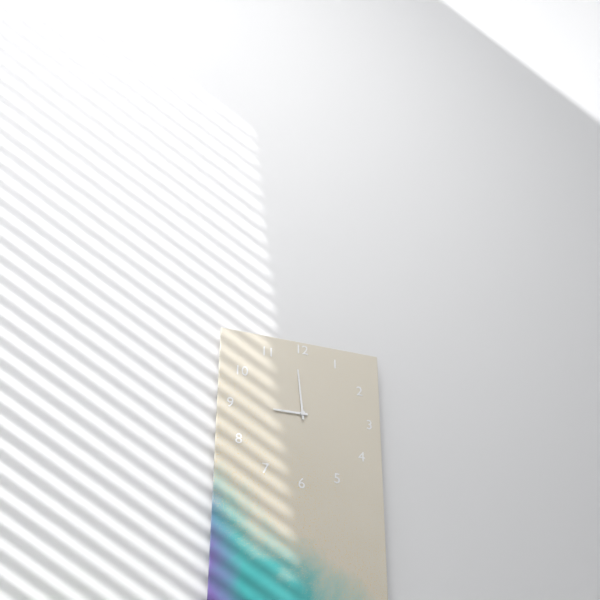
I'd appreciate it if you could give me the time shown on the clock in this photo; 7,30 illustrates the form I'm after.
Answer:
8,59
